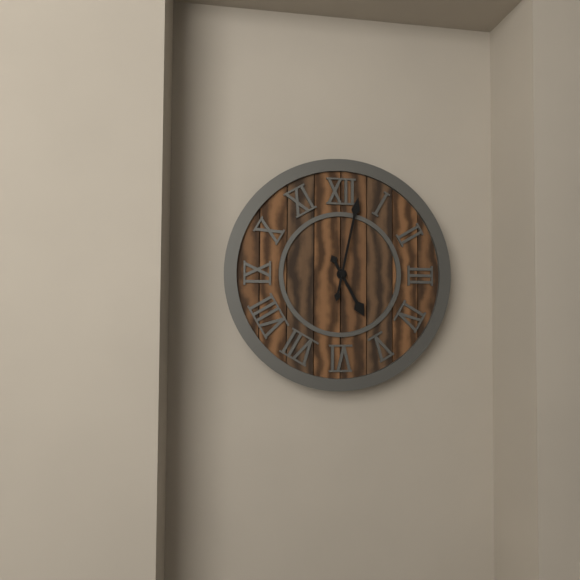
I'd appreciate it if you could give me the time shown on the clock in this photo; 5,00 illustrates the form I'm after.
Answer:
5,02
